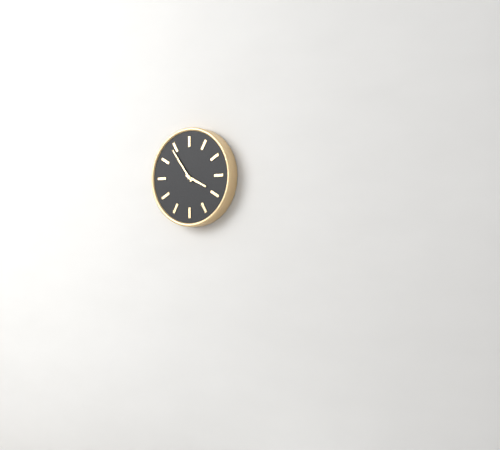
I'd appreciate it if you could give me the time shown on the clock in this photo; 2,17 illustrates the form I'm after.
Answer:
3,54
